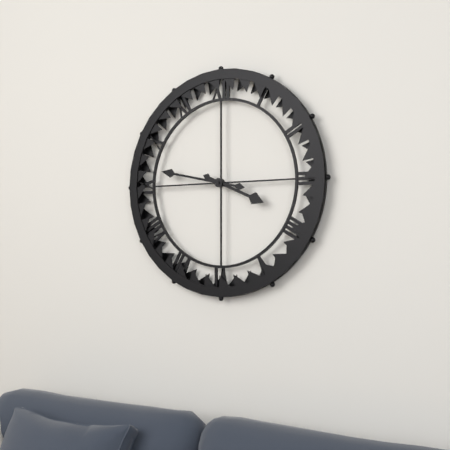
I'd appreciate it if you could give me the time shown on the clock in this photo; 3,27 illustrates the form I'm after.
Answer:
3,47
